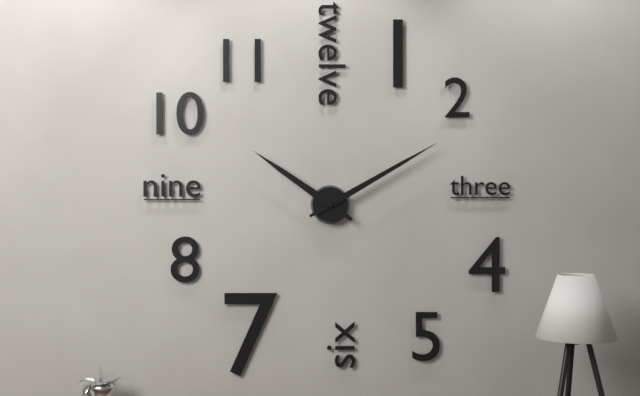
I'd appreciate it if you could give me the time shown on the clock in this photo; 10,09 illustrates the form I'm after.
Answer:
10,10
